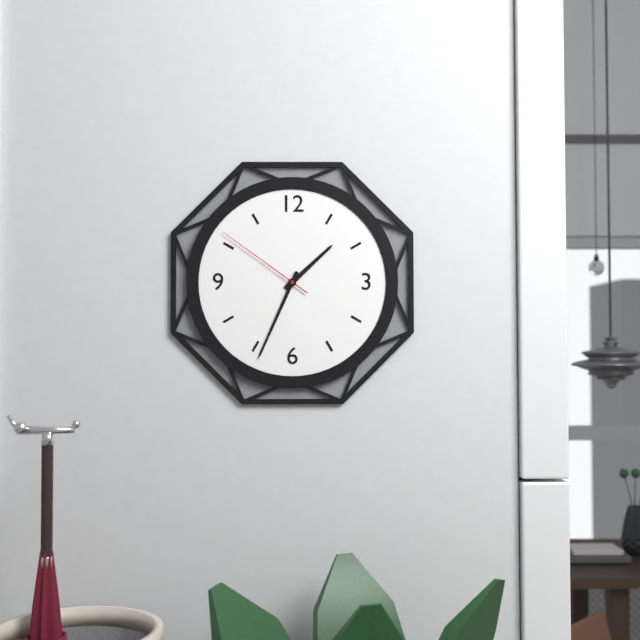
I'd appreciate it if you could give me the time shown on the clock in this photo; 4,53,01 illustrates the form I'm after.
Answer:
1,34,51
